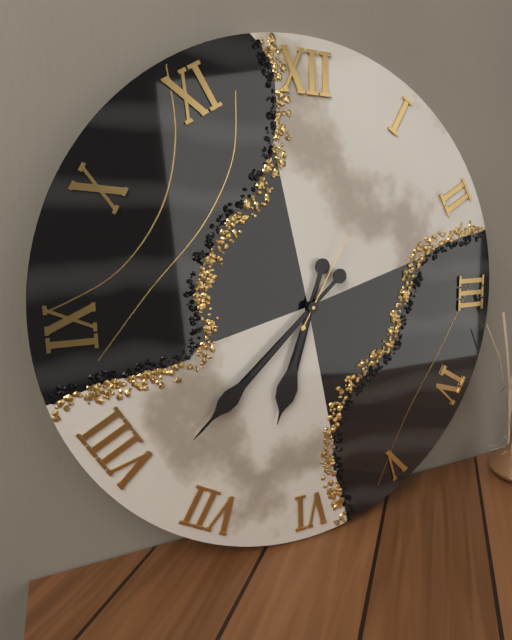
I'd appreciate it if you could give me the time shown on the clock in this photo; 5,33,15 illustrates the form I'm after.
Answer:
6,38,05
